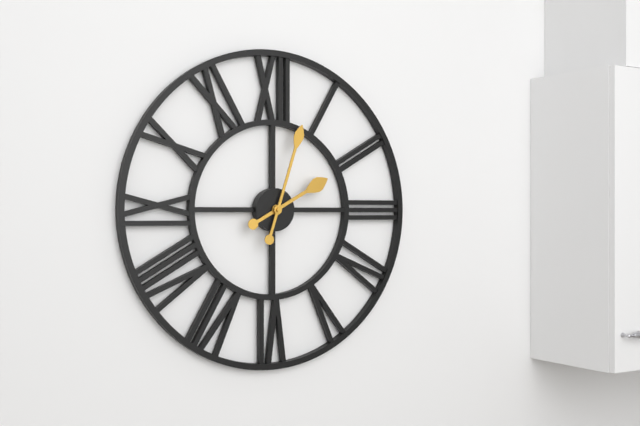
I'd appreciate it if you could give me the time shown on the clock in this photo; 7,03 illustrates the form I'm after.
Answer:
2,03
